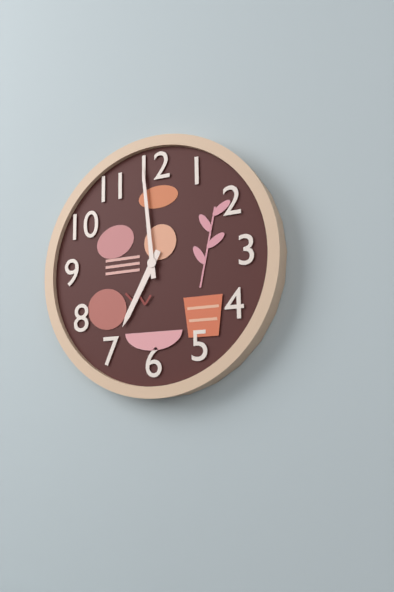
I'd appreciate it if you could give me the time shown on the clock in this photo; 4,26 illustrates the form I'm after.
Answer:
6,59
